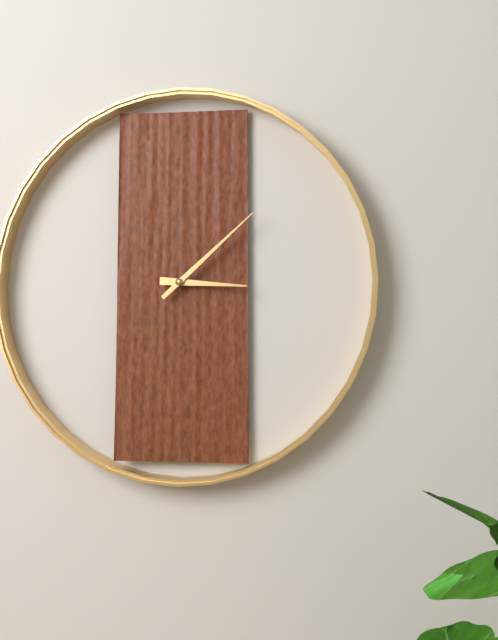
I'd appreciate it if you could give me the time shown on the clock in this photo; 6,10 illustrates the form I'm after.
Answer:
3,08
